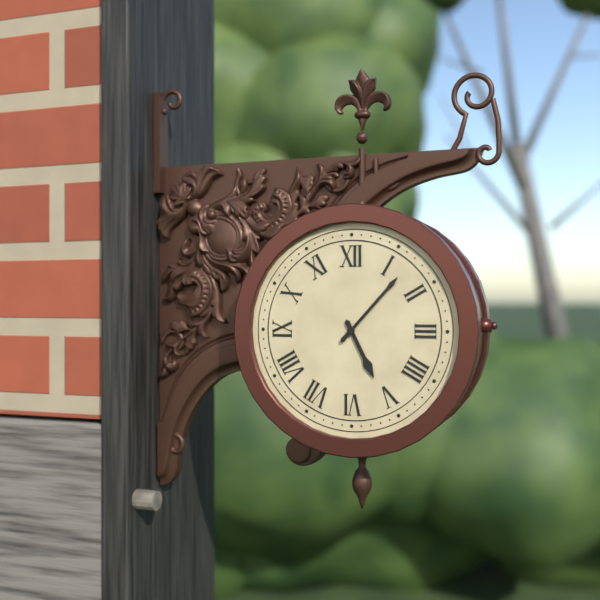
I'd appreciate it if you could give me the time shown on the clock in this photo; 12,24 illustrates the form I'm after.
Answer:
5,07
